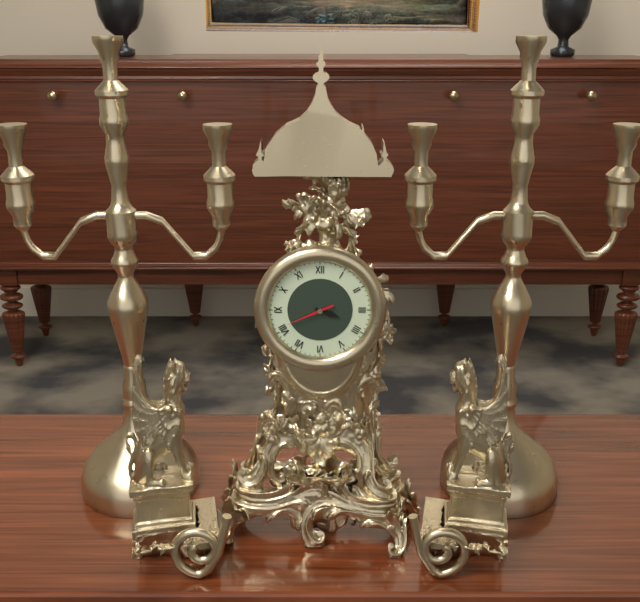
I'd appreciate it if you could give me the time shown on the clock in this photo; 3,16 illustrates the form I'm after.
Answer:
3,41
